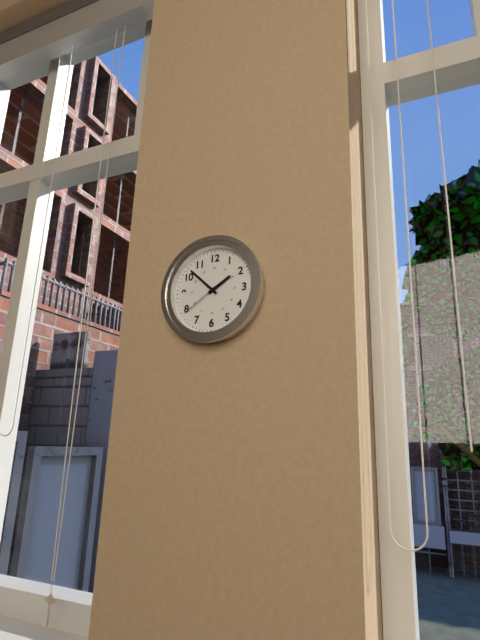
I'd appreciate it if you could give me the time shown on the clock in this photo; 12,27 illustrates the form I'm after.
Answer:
1,52
